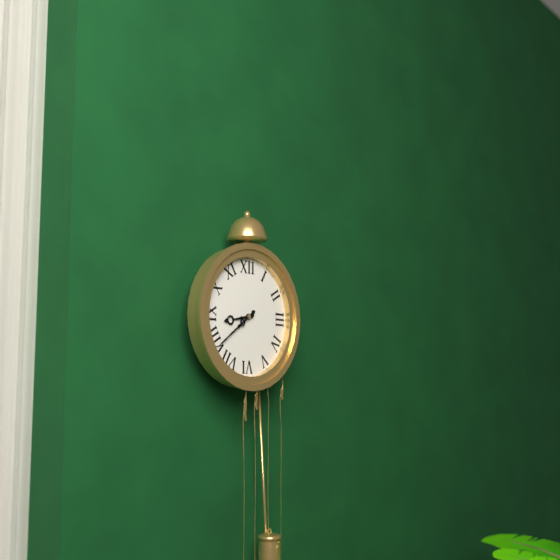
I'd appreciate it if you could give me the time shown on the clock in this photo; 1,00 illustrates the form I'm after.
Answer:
8,39
